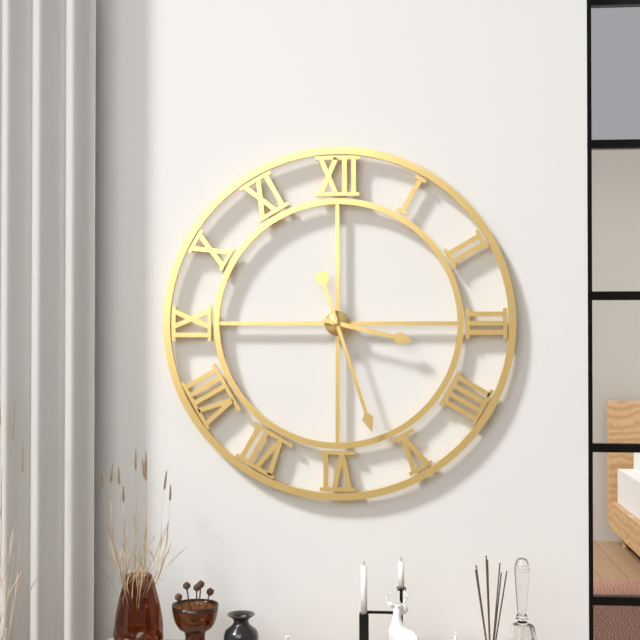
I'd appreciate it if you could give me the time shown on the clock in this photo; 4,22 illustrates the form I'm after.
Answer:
3,27
